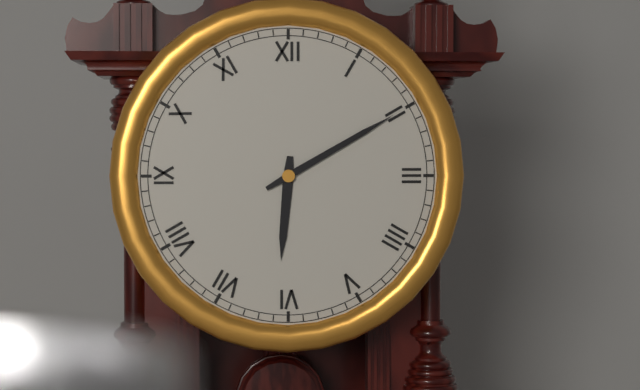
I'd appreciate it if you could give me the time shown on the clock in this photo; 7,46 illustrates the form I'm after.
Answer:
6,10
